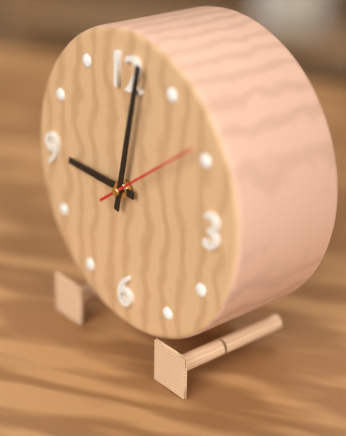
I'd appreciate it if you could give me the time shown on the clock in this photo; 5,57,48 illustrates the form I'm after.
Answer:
9,02,09
